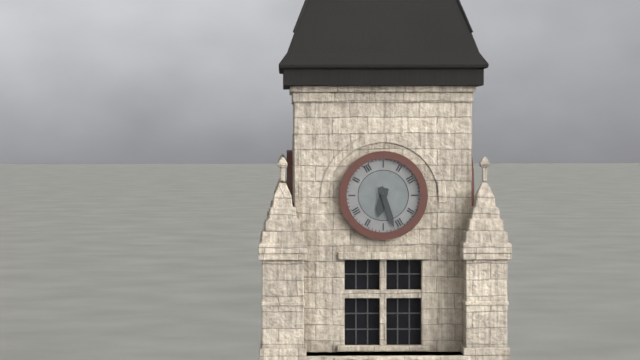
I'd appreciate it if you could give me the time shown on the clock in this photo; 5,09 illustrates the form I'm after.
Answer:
6,27
